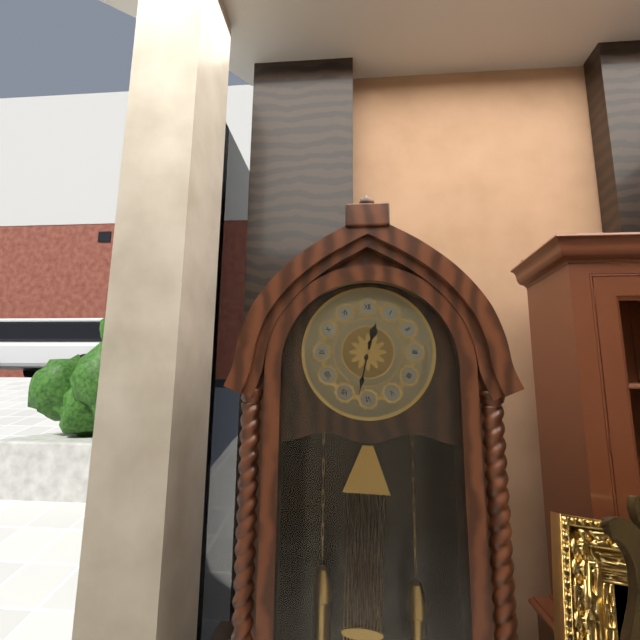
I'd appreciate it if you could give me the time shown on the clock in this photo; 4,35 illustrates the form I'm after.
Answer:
12,32
